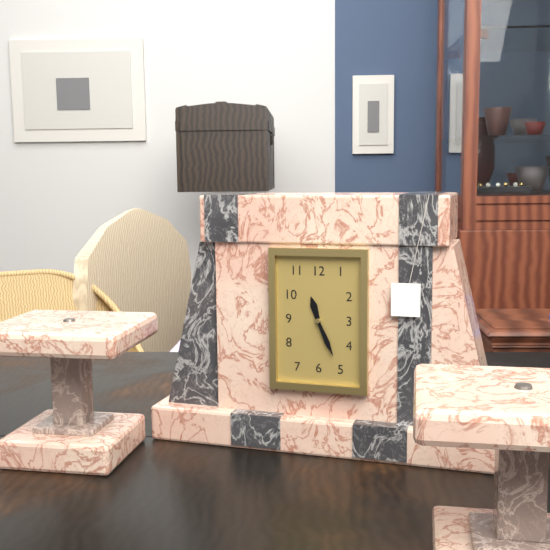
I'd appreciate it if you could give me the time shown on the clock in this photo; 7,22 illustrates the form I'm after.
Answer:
11,26
